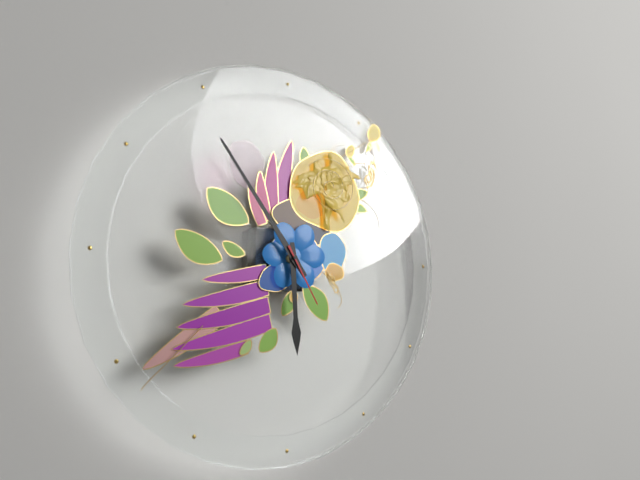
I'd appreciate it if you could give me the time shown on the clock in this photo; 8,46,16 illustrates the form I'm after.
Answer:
5,54,25
